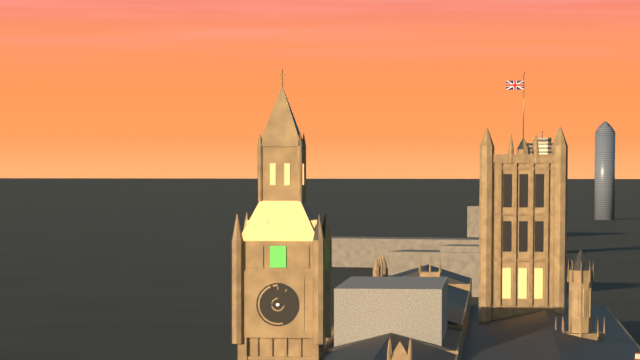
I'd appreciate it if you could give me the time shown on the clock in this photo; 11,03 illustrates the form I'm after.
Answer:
8,48
